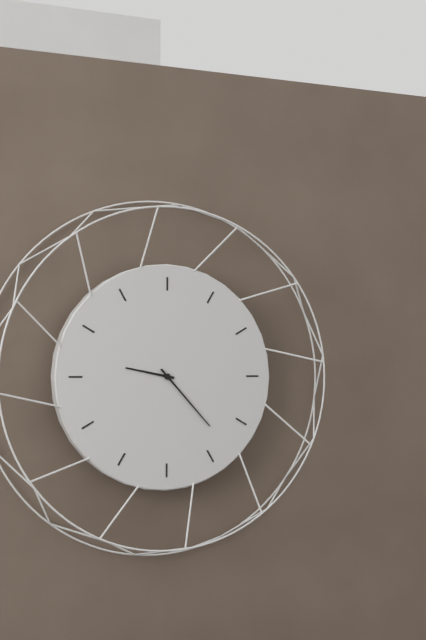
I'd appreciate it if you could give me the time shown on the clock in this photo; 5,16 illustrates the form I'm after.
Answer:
9,23
